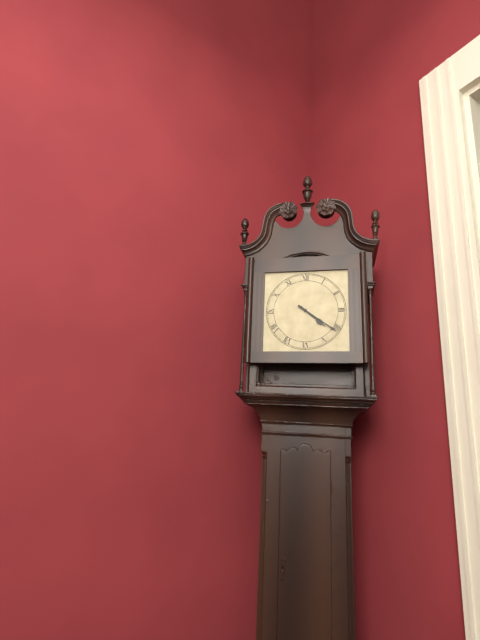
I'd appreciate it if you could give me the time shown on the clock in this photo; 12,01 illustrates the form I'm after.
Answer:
4,21
